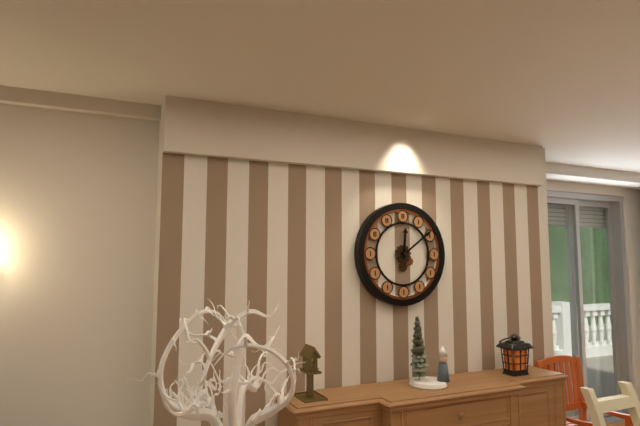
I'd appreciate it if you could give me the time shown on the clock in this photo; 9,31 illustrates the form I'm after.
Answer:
12,09
